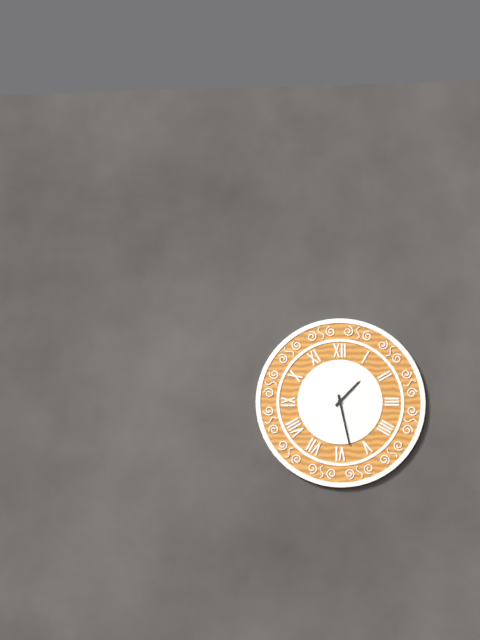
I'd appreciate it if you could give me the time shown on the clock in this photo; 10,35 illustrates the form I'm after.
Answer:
1,28
